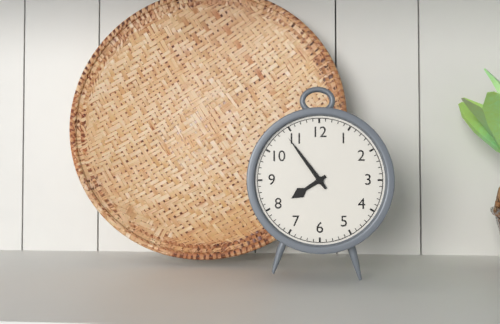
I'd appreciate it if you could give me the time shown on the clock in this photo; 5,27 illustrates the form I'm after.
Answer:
7,54
